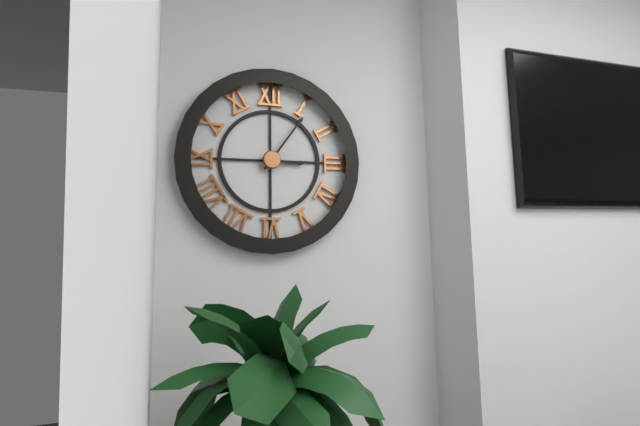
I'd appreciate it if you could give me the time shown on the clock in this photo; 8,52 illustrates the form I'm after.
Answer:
3,06
